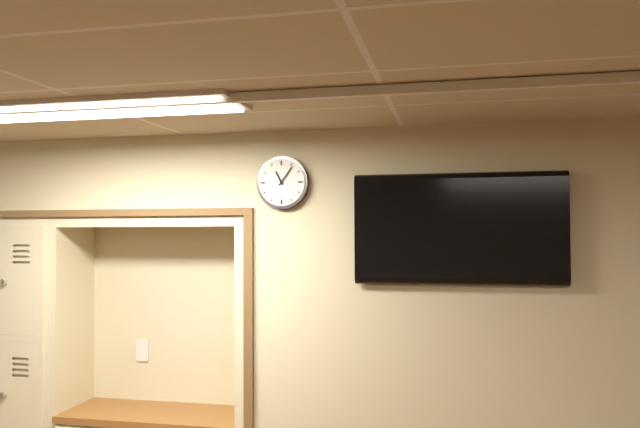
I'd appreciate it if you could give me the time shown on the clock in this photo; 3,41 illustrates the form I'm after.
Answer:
11,06
